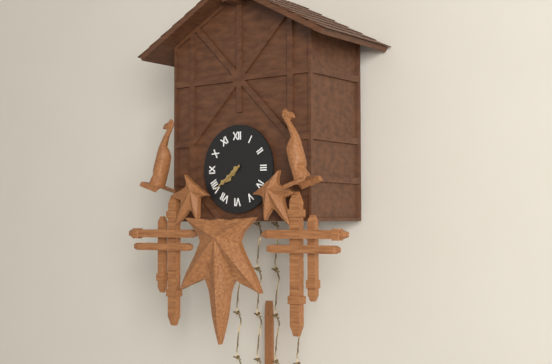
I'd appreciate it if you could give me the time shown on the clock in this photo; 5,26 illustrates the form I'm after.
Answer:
7,39
